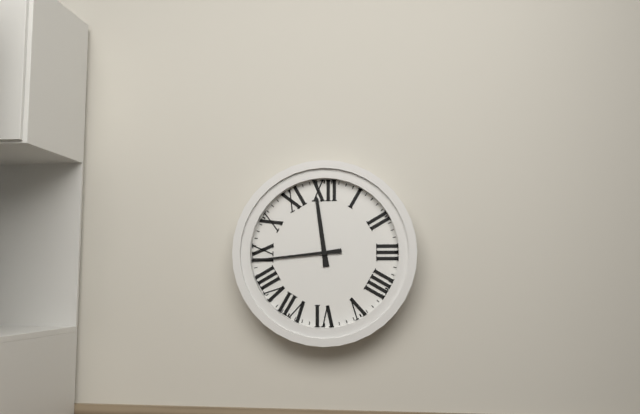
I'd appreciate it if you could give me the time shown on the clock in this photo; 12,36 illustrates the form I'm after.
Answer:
11,44
